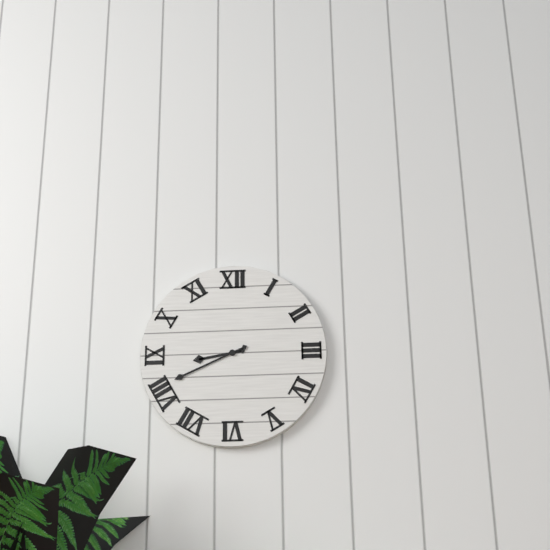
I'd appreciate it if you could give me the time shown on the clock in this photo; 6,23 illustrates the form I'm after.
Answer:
8,41
